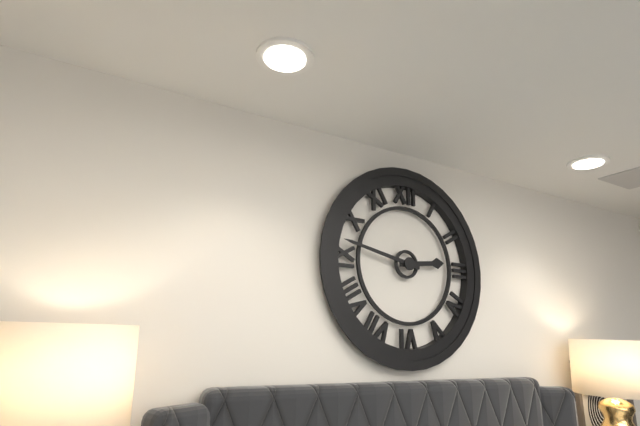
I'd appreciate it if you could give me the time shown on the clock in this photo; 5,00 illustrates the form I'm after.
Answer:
2,47
